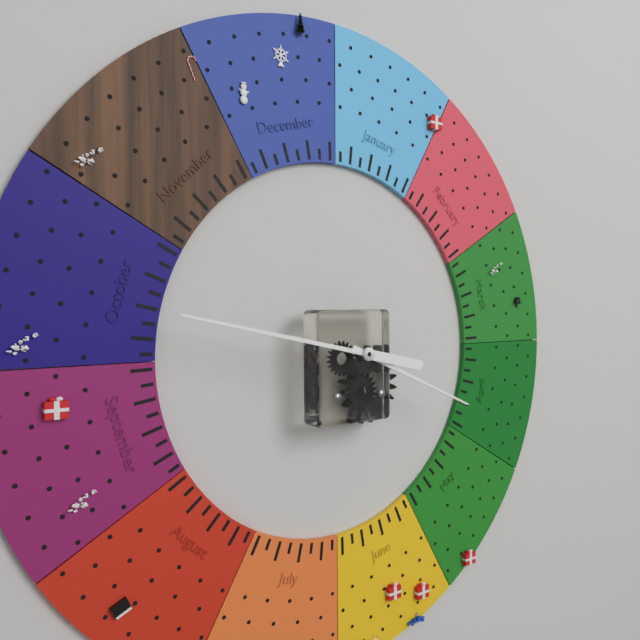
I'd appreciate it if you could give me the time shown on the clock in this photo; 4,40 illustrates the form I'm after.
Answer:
3,47
